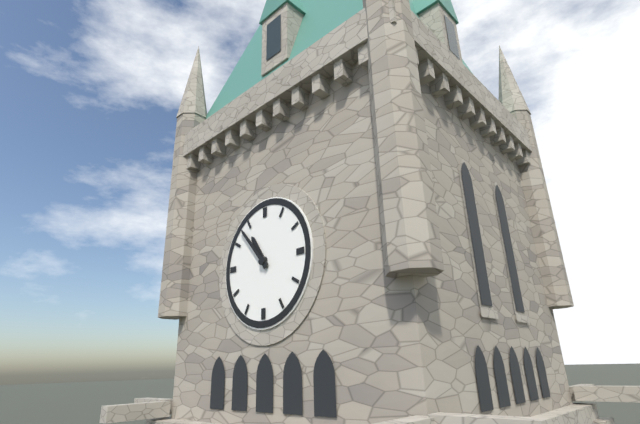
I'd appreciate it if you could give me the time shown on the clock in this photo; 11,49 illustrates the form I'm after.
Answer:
10,53
